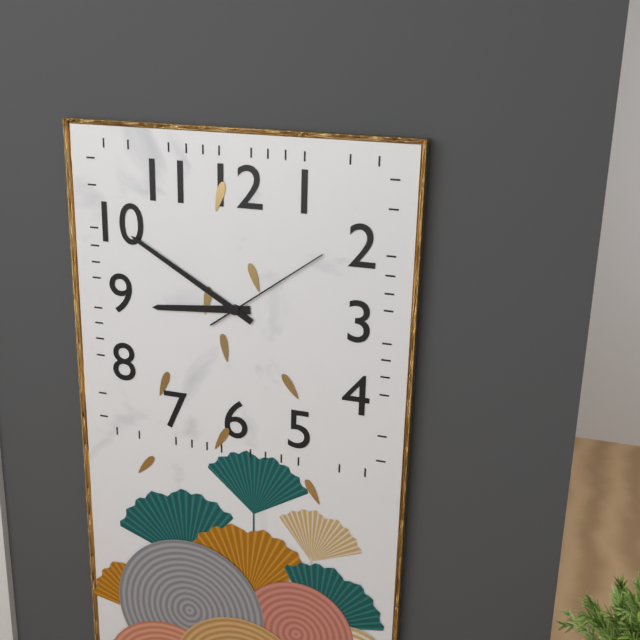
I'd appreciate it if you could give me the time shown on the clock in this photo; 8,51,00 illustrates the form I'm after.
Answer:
8,50,09
